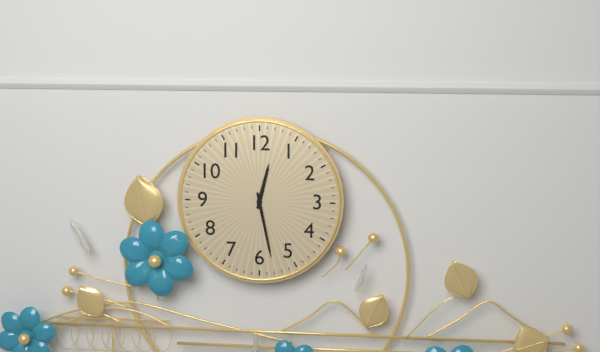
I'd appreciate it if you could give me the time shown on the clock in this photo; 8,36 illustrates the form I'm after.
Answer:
12,28
